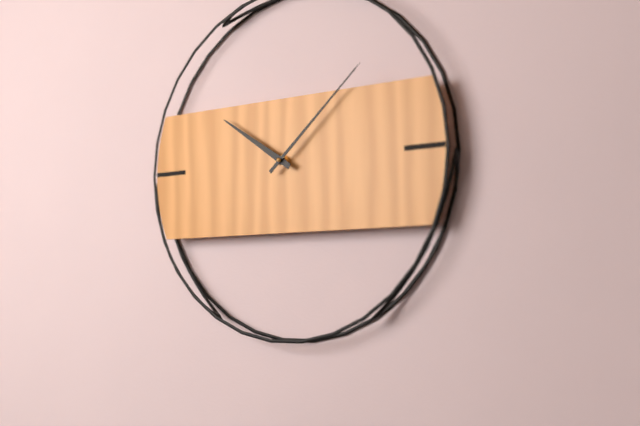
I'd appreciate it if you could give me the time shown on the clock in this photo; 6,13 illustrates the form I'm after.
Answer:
10,08
